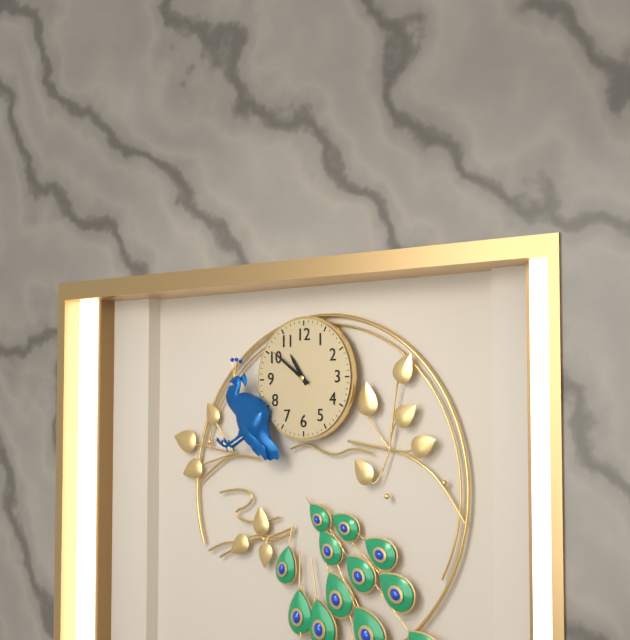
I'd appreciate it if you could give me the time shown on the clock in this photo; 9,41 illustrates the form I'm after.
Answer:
10,51
